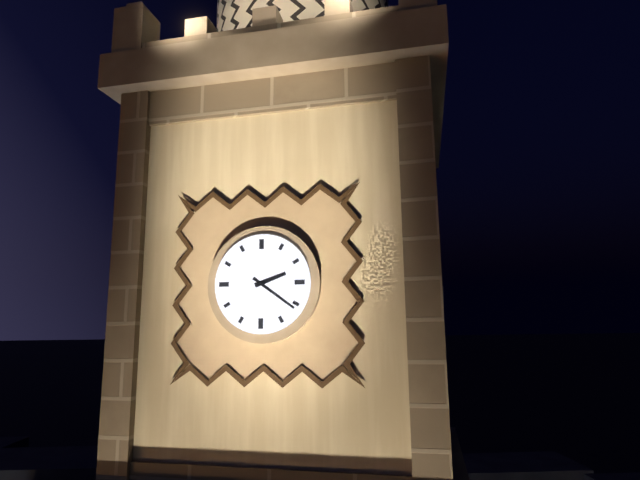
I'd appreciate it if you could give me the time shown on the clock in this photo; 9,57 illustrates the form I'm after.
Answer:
2,21
